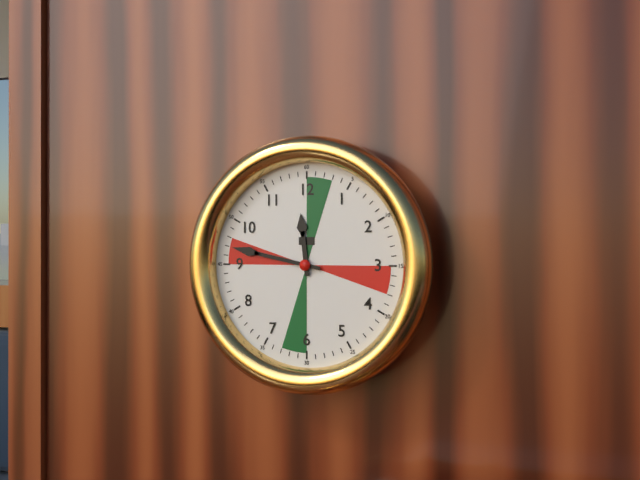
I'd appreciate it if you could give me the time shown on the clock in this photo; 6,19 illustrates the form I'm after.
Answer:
11,47
